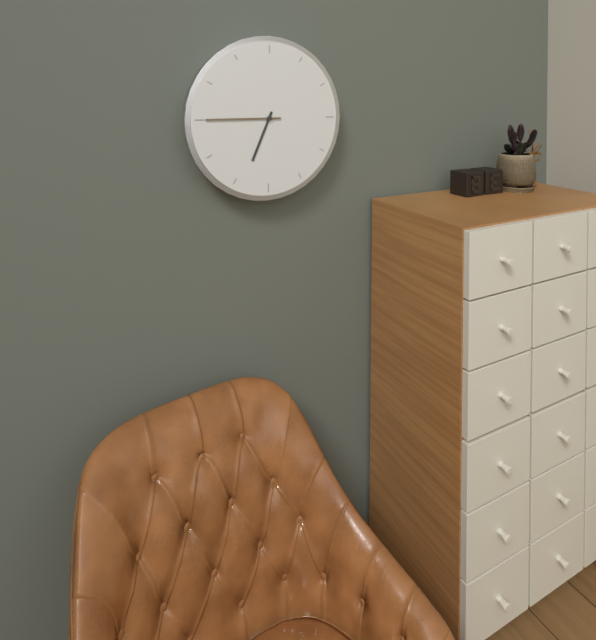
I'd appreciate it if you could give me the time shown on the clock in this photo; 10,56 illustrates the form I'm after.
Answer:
6,45
